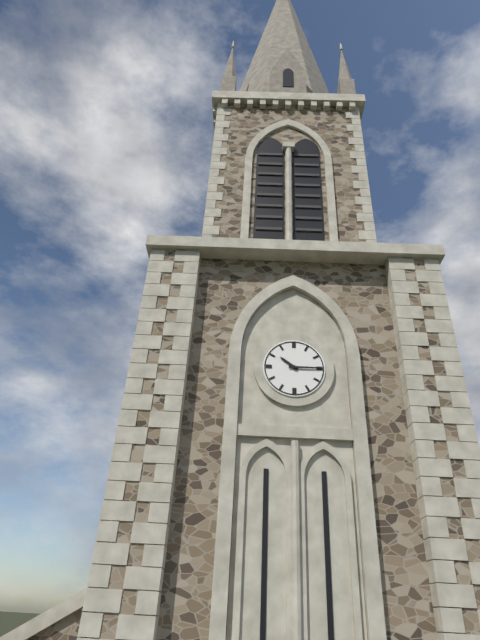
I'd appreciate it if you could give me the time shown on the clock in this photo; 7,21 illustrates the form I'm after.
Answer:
10,15
